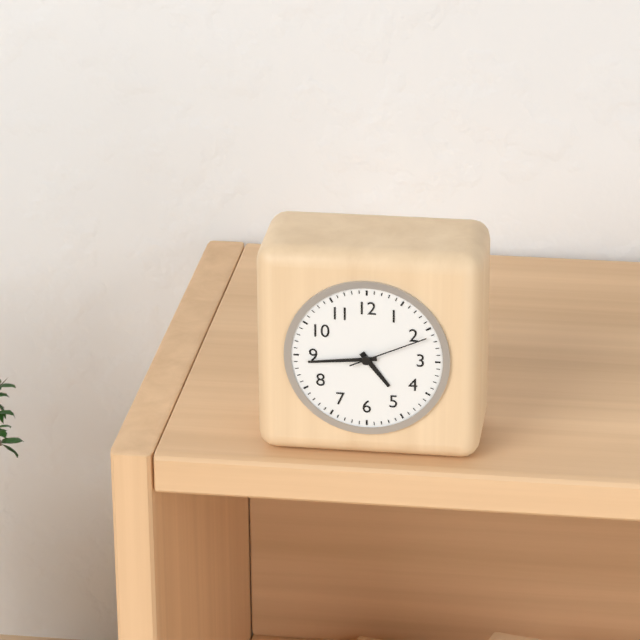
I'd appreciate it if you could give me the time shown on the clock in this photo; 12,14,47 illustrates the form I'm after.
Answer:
4,44,11
